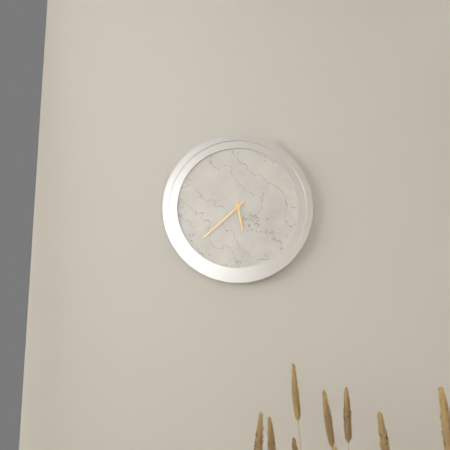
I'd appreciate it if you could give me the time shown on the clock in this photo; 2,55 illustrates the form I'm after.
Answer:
5,38
